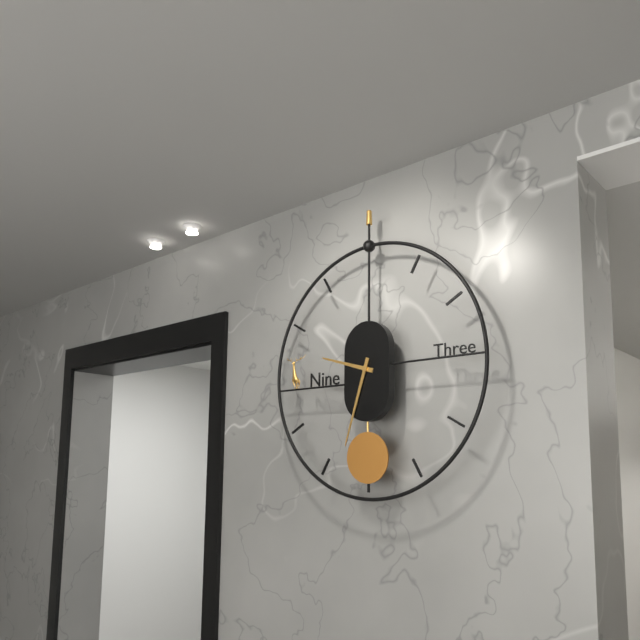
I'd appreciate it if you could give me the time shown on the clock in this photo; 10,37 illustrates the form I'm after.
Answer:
9,33
